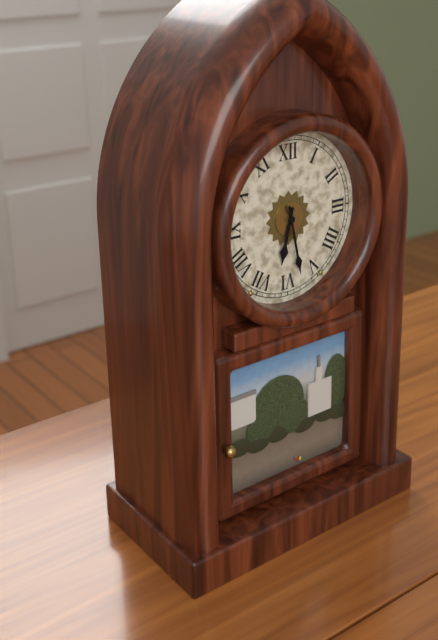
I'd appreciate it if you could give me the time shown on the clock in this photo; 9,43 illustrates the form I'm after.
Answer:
6,28
